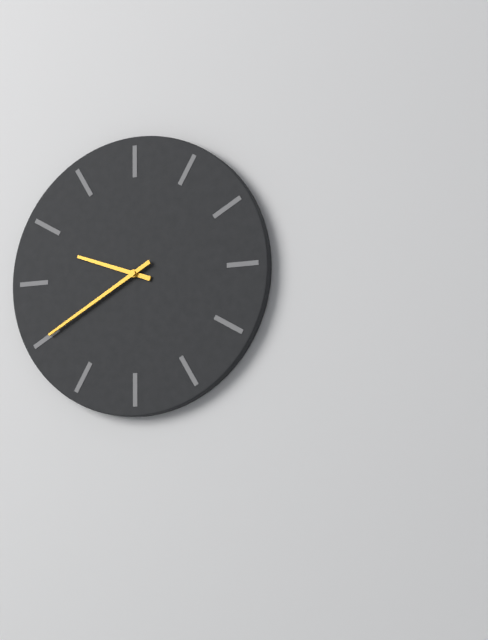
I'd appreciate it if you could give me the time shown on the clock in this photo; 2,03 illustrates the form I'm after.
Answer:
9,40
